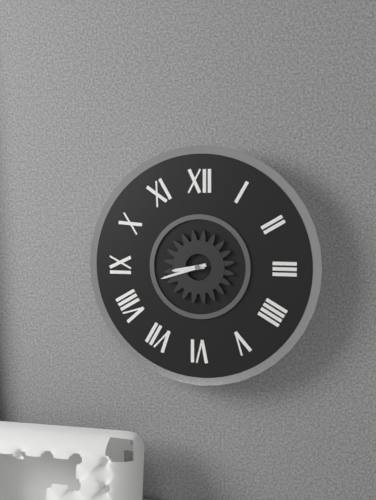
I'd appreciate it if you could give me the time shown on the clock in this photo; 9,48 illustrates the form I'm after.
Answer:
8,42
